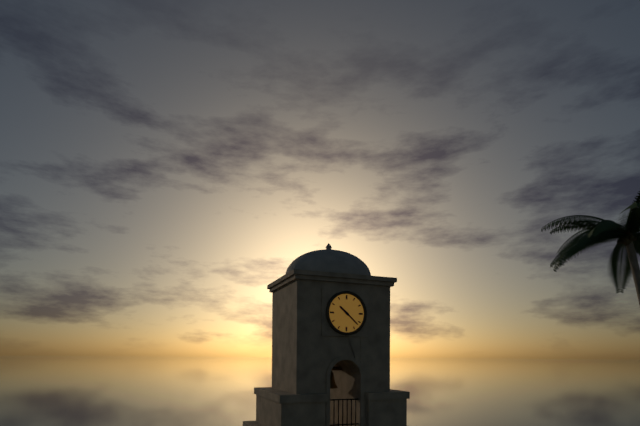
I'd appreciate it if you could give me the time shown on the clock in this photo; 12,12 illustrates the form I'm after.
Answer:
10,22
